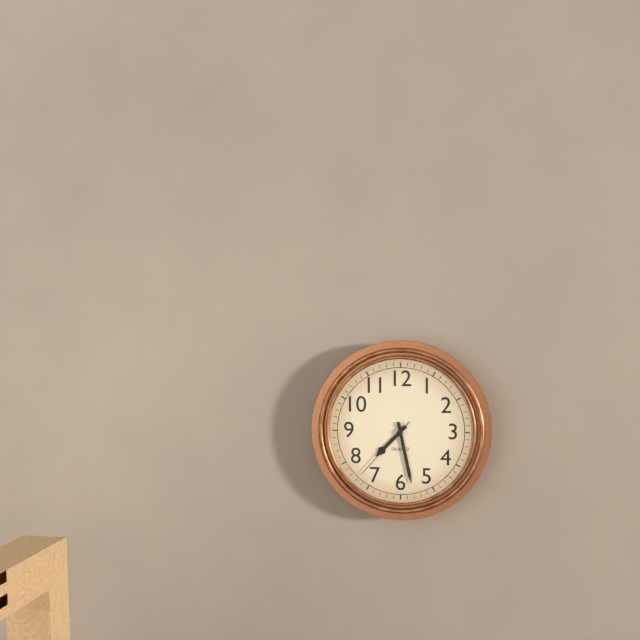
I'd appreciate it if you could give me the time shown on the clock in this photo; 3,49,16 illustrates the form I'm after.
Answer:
7,28,37
